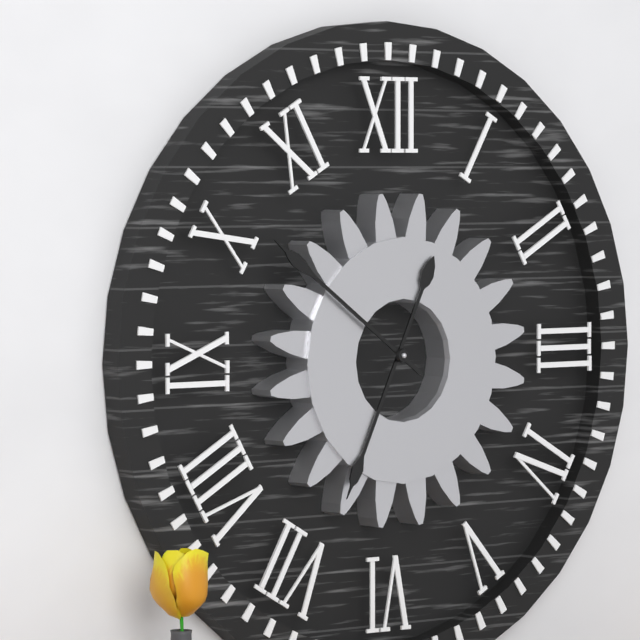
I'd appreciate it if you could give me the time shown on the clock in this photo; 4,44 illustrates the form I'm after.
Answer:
6,51
